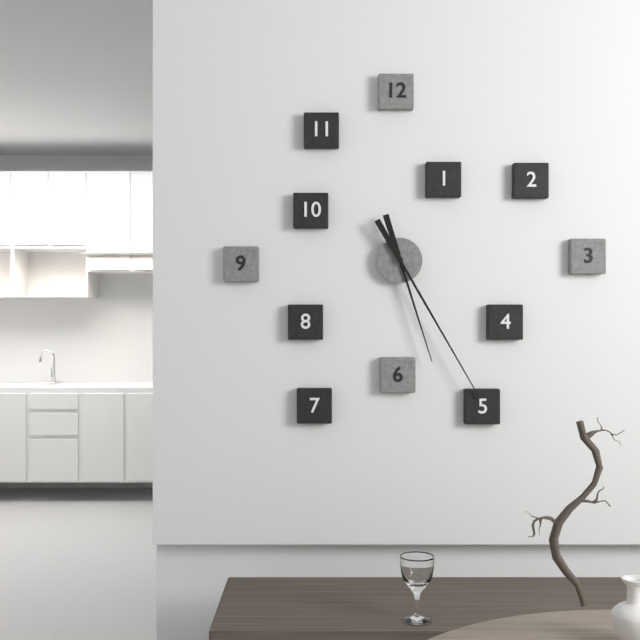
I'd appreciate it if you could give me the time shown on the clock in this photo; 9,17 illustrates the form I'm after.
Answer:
5,25
